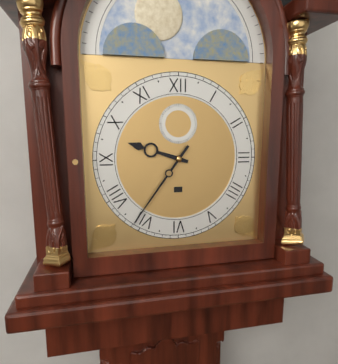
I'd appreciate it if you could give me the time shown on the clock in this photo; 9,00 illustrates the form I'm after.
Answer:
9,36
